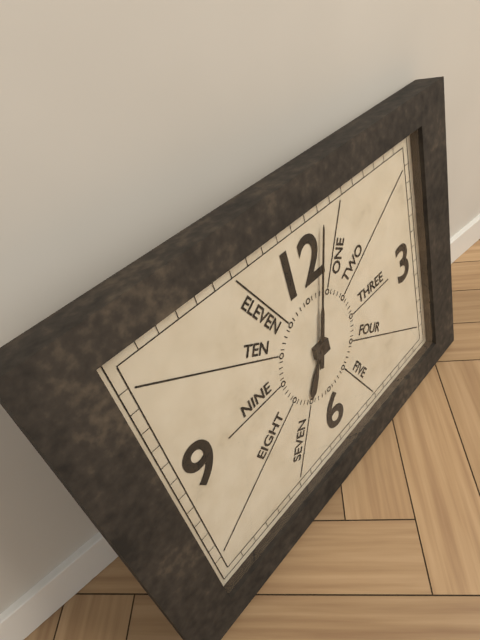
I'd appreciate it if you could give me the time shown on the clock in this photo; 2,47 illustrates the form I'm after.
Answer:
7,03
